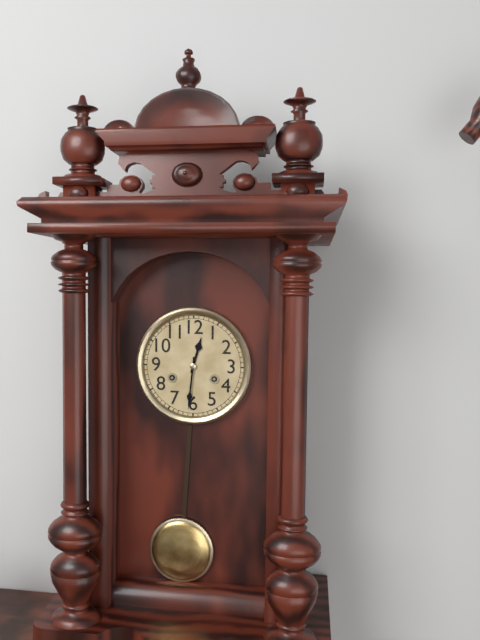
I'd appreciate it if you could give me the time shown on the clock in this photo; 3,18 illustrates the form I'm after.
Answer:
12,31
